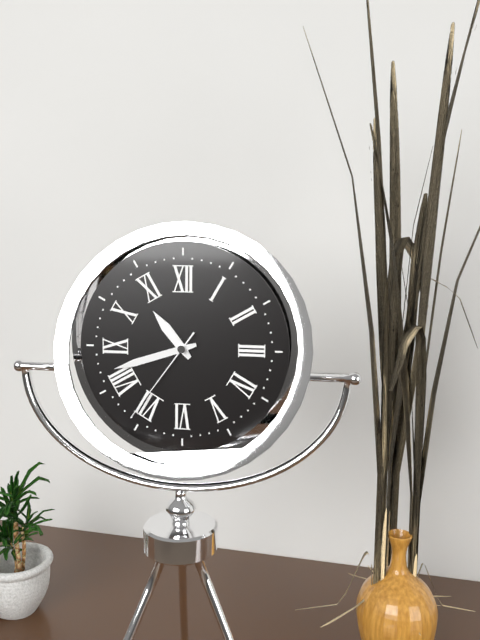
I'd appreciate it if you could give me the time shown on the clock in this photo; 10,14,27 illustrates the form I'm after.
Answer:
10,42,36
